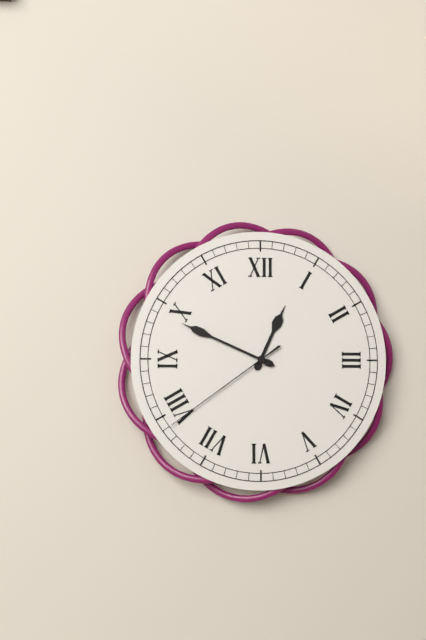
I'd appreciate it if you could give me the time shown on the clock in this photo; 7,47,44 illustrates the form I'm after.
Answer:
12,49,39
